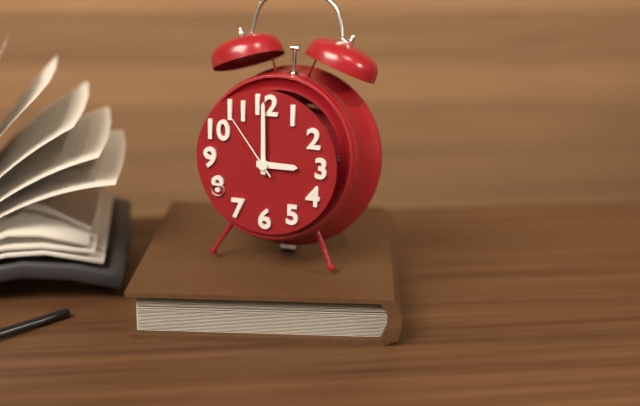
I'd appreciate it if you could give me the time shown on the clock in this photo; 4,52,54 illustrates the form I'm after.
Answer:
3,00,54
